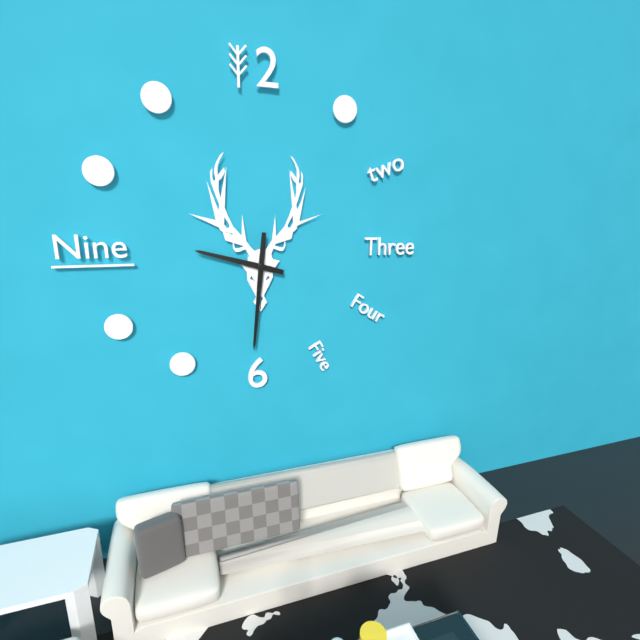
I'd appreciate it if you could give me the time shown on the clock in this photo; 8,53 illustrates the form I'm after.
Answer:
9,31
